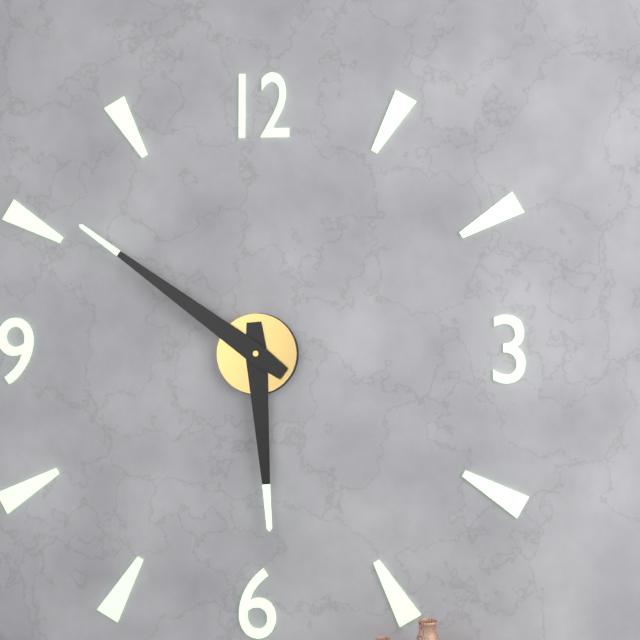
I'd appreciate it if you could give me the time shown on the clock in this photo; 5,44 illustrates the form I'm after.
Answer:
5,51
